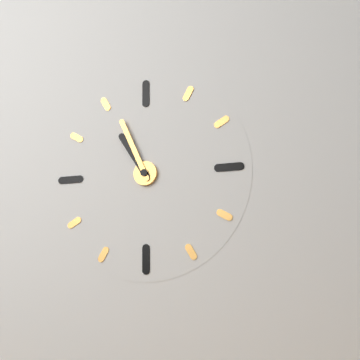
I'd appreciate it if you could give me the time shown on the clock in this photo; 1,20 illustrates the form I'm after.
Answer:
10,56
